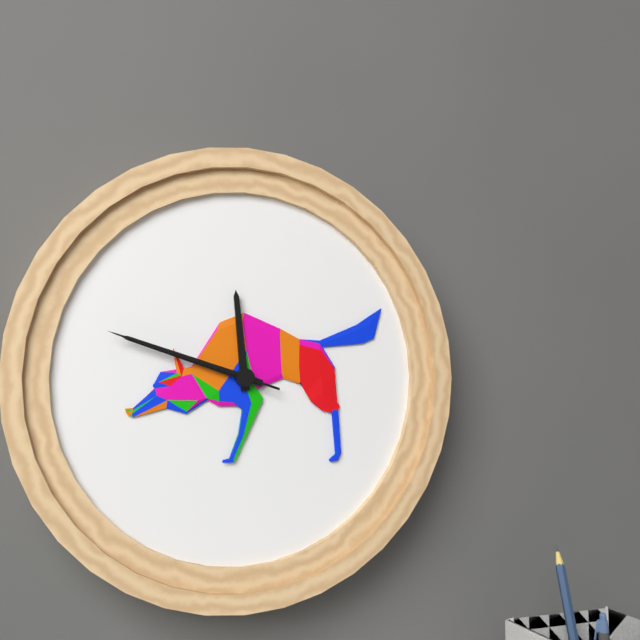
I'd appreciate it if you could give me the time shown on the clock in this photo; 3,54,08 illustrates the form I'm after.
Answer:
11,48,48
